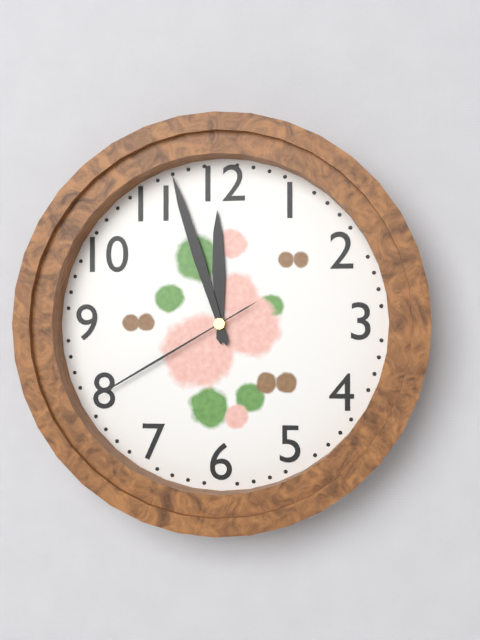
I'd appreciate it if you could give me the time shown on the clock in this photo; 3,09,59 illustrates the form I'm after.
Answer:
11,57,40
